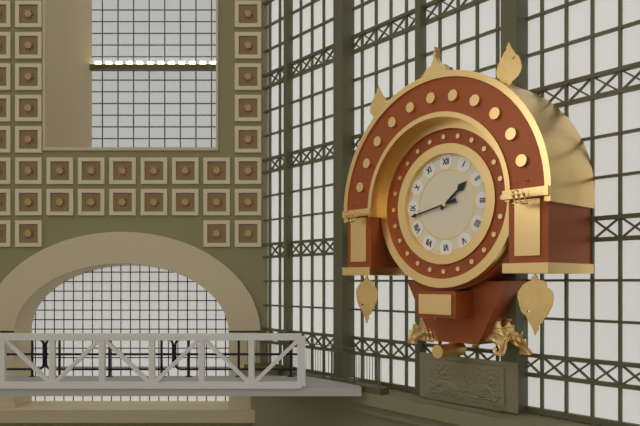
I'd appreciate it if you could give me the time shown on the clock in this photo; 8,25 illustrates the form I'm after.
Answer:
1,43
